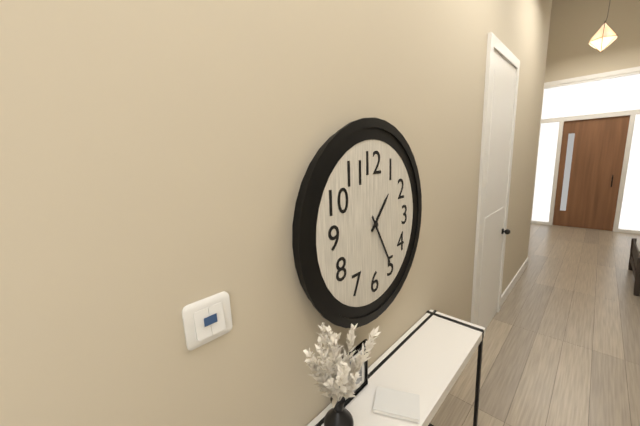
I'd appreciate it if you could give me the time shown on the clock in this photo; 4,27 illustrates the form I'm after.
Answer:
1,25
